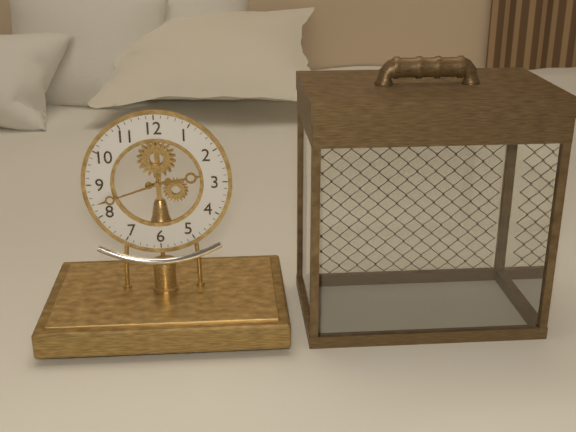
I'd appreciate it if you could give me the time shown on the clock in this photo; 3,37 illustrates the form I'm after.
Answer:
2,42
